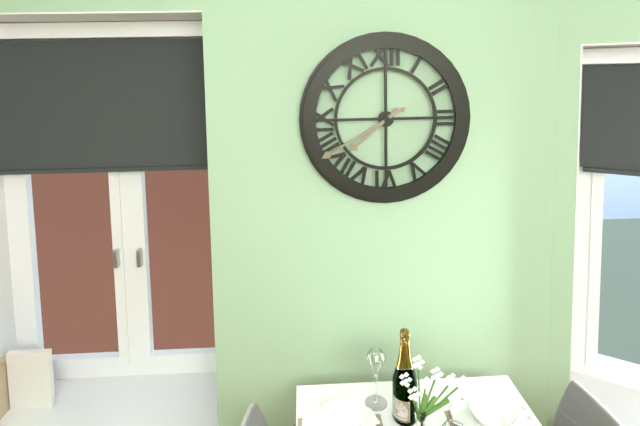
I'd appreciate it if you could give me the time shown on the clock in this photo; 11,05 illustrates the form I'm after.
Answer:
7,40
